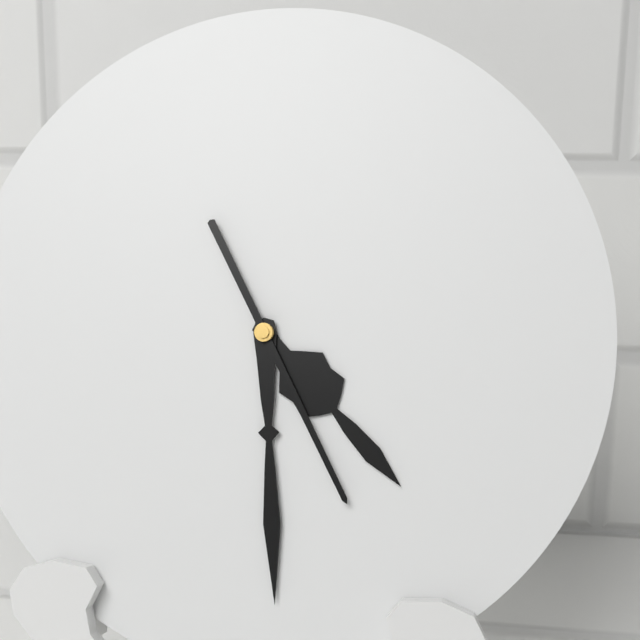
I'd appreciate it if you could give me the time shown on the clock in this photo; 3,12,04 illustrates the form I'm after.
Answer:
4,29,25
